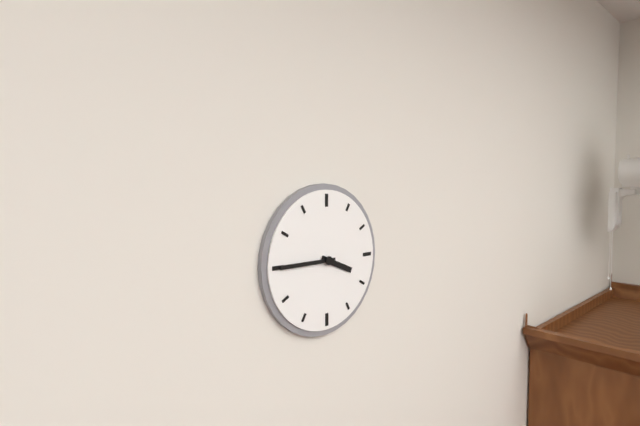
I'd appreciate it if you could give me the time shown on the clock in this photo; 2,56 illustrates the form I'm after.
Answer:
3,45
